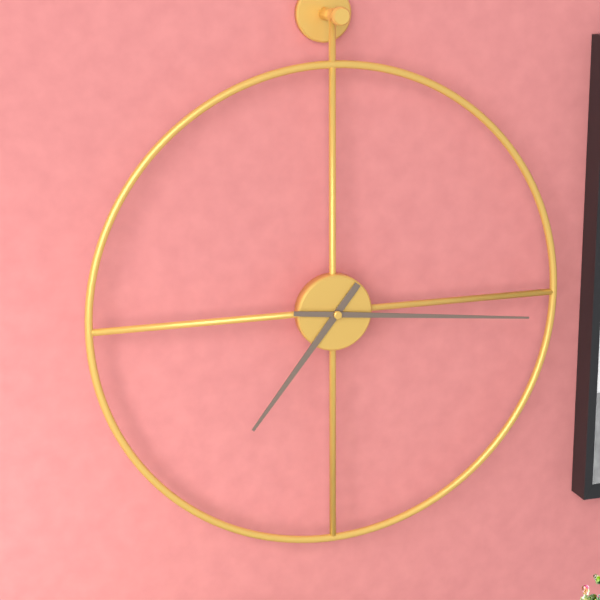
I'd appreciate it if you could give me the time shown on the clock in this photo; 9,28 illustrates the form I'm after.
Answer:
7,16
